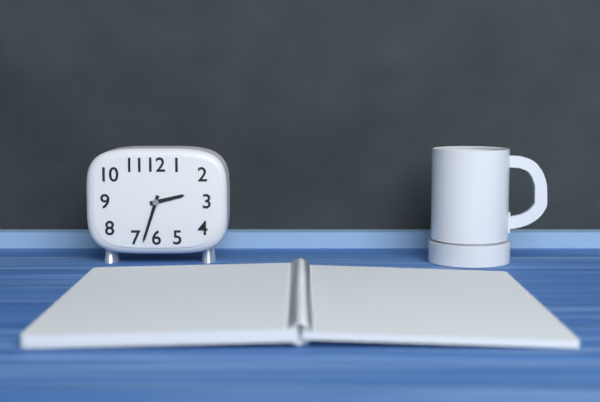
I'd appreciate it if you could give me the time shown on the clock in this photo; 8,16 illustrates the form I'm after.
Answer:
2,33
